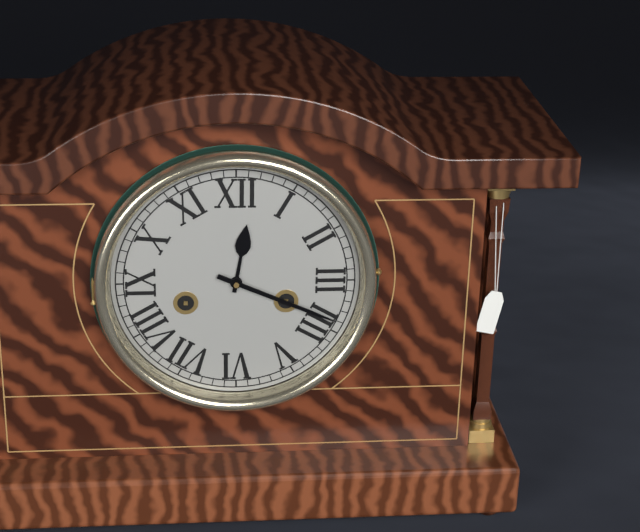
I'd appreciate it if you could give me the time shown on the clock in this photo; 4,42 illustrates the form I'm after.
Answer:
12,19
